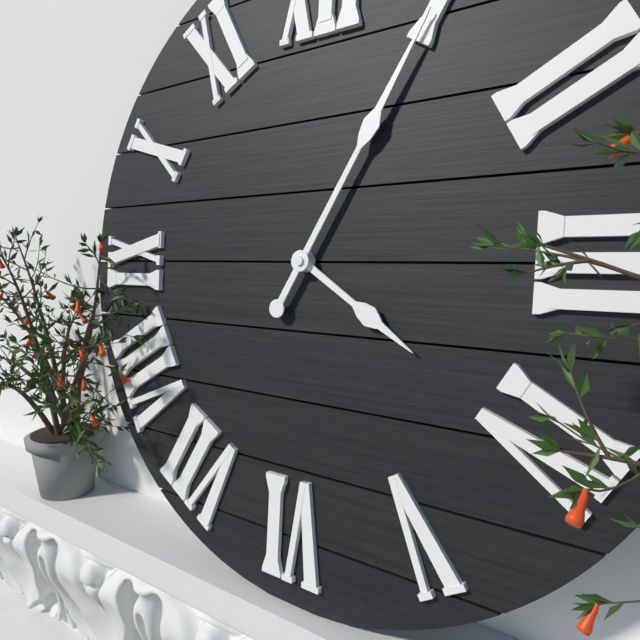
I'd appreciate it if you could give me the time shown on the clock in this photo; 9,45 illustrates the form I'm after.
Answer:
4,05
